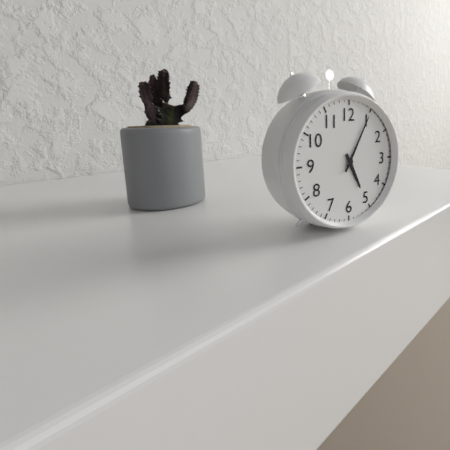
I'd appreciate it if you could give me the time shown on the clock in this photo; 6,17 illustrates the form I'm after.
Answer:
5,05
